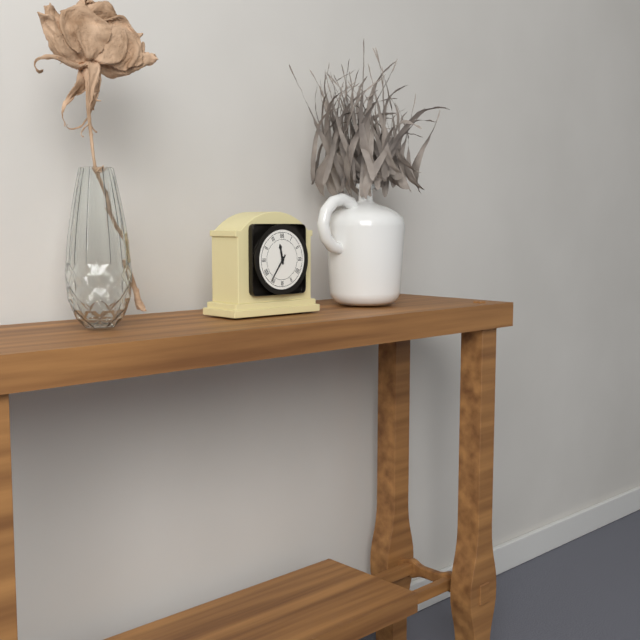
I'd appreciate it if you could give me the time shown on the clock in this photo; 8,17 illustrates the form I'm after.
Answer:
11,36
